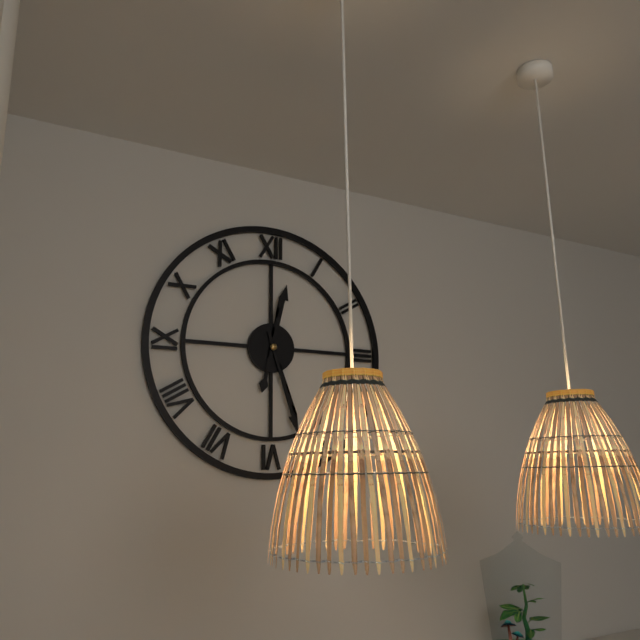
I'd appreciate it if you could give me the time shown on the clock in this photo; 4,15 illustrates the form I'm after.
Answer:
12,27
